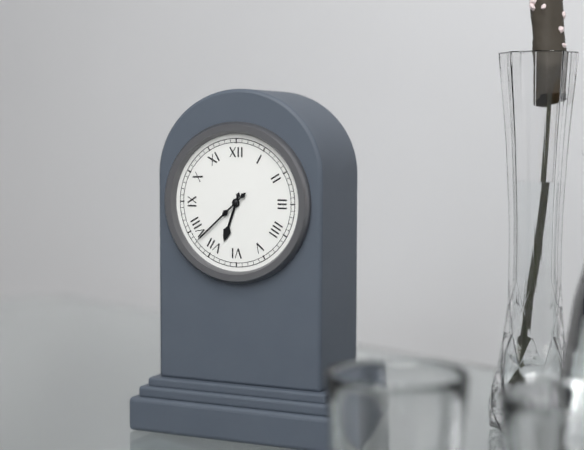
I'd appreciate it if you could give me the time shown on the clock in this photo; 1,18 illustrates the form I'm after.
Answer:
6,38
